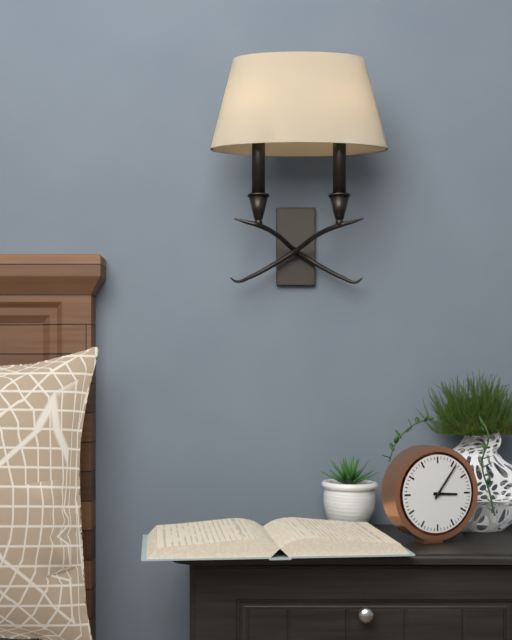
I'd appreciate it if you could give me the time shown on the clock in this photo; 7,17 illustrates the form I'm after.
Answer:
3,06
